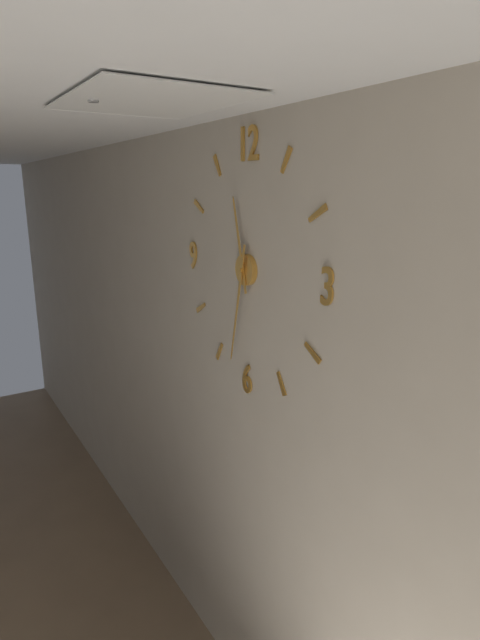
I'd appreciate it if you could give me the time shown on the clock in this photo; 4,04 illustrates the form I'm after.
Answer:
11,32
